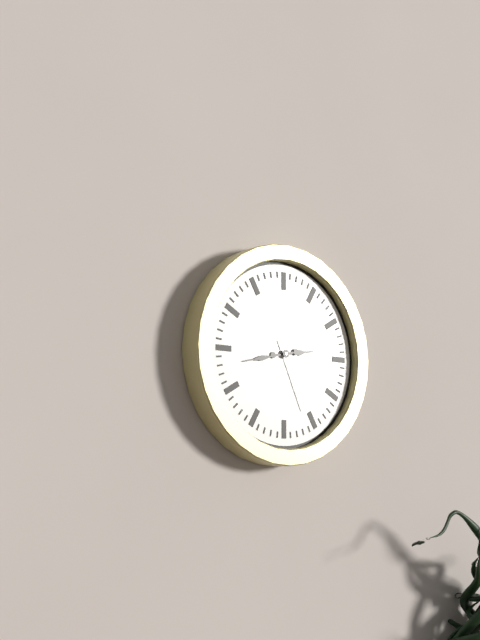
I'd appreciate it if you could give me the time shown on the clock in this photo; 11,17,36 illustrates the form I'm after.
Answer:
2,43,26
